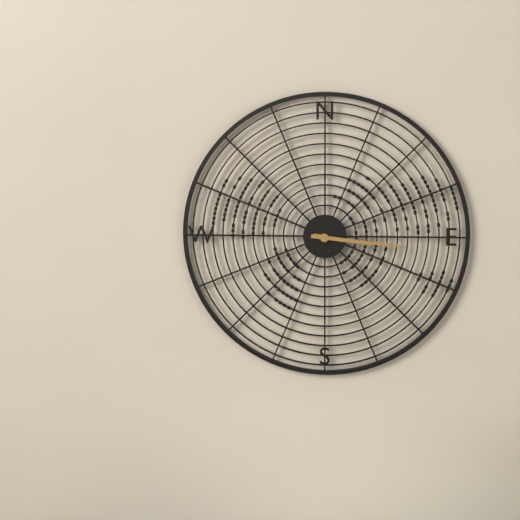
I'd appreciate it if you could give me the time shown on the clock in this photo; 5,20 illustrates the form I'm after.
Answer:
3,16
